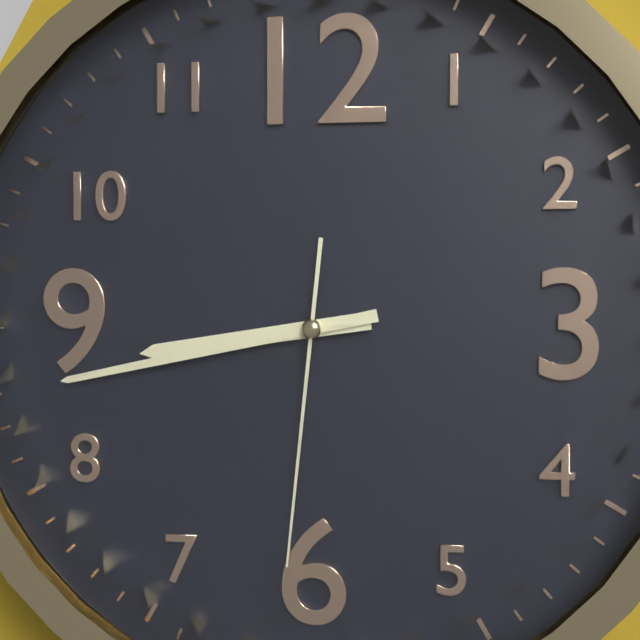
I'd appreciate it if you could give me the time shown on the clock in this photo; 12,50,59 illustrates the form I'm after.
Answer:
8,43,31
